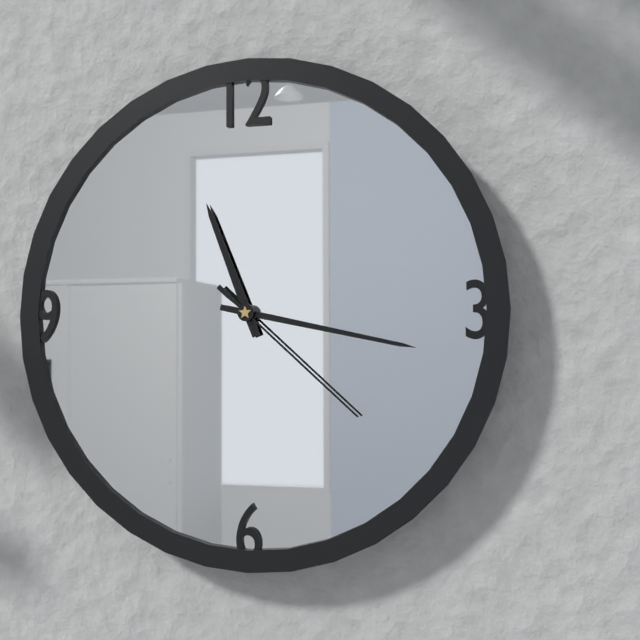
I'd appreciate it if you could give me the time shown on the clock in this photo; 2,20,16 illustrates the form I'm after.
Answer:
11,17,22
